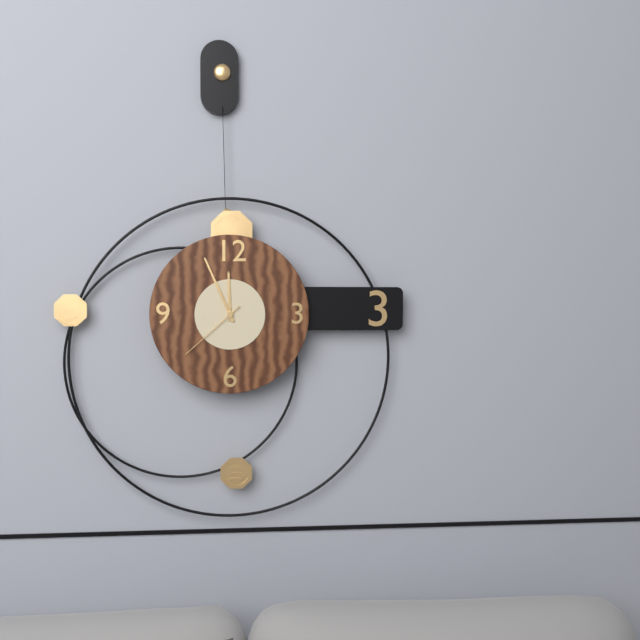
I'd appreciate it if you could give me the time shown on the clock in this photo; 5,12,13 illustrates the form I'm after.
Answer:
11,56,38
